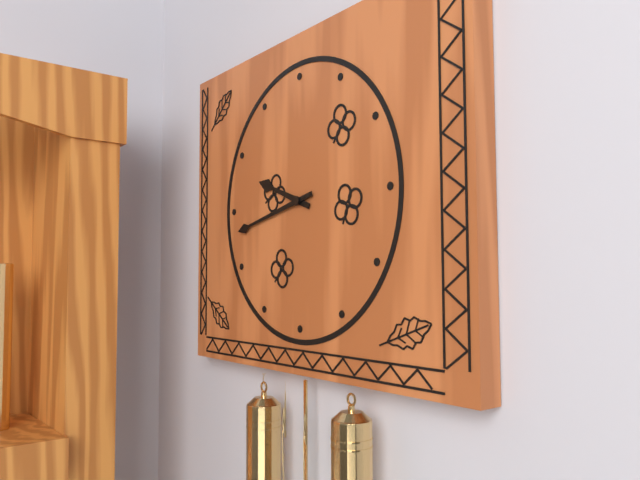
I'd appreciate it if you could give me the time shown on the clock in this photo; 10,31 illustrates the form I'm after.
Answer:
9,43
